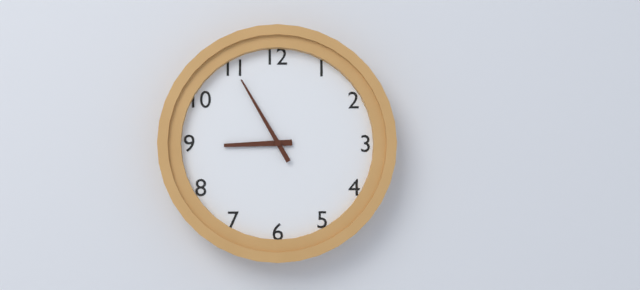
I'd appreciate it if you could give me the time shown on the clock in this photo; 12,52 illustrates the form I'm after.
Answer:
8,55
